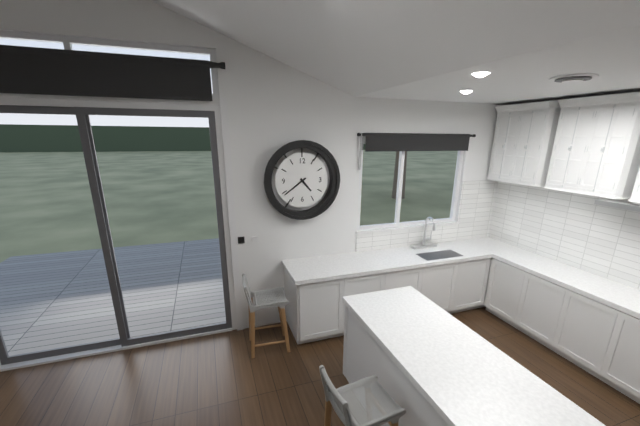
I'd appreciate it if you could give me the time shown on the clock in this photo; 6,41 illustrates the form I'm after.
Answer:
4,39
